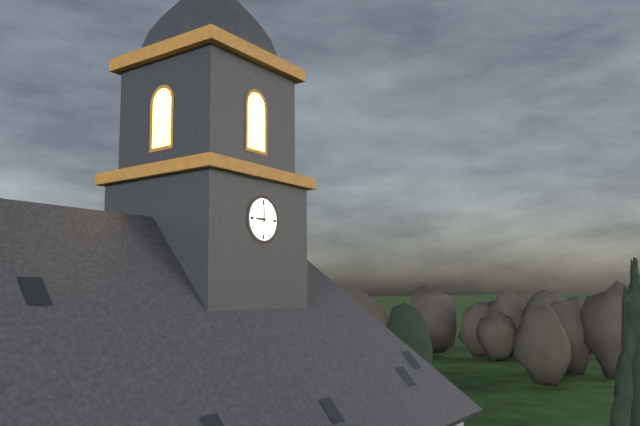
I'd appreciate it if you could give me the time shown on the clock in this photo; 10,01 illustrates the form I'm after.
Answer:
9,00
